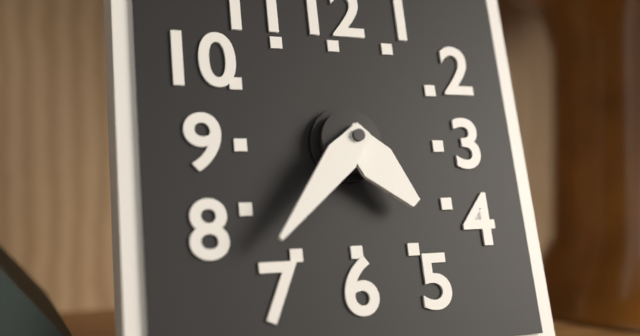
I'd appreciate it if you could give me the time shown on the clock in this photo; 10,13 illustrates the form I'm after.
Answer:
4,37
